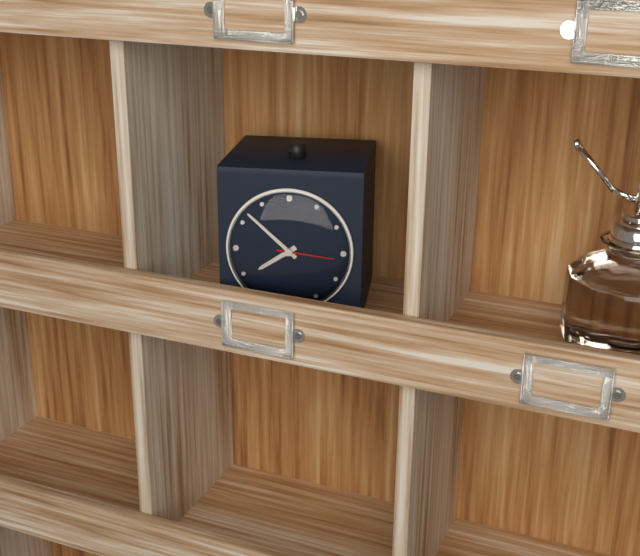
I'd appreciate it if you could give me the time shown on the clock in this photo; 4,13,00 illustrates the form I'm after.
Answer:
7,52,16
